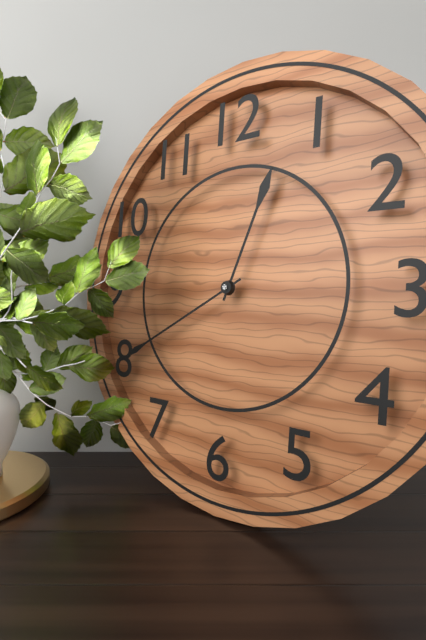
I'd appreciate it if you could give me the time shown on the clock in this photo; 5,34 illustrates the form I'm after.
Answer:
12,40
